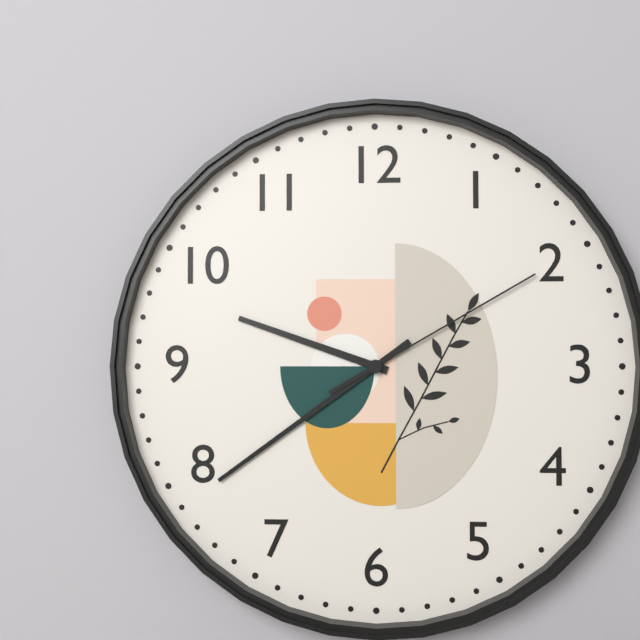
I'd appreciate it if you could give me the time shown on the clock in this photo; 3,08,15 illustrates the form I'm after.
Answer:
9,39,10
